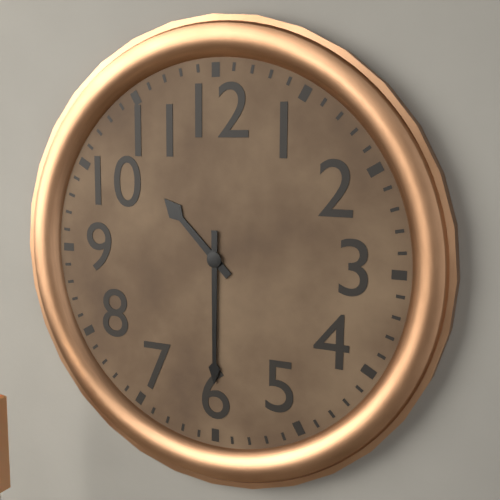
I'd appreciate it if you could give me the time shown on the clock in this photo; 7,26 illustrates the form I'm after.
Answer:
10,30
